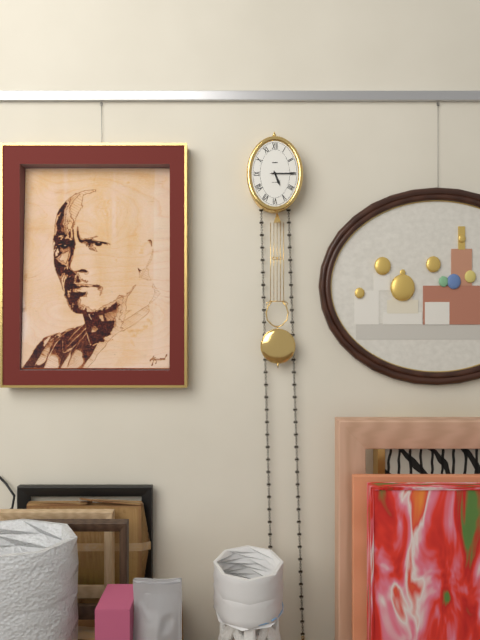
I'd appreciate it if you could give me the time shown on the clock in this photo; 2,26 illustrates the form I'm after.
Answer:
5,15
